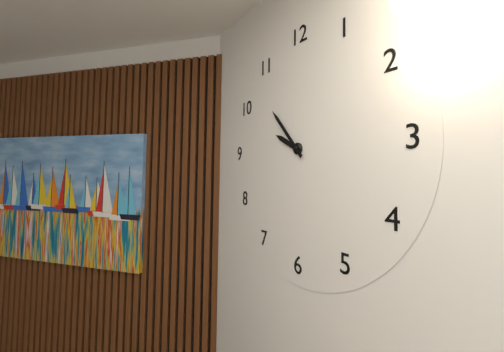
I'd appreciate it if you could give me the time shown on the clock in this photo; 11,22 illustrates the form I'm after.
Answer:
9,53
